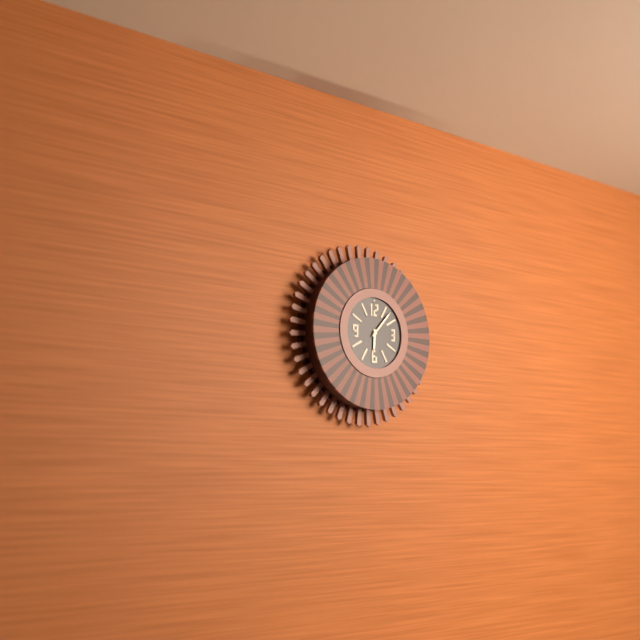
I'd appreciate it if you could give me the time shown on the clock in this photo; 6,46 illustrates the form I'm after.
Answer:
6,07
